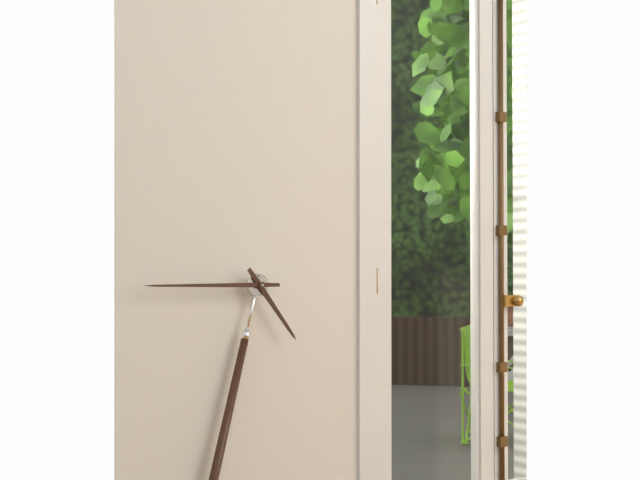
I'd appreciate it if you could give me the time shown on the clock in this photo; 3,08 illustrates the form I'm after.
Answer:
4,45
